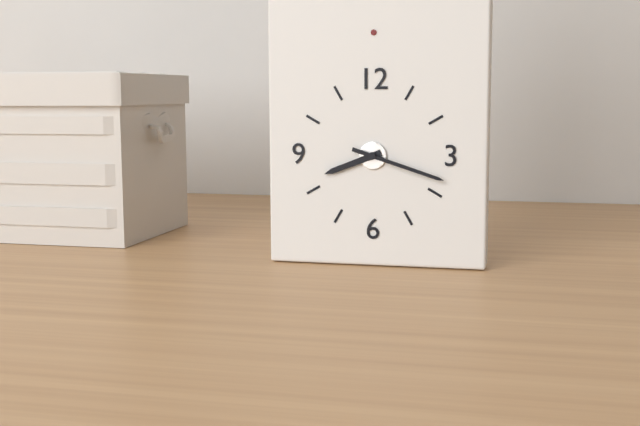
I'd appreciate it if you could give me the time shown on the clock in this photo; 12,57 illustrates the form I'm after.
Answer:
8,18
